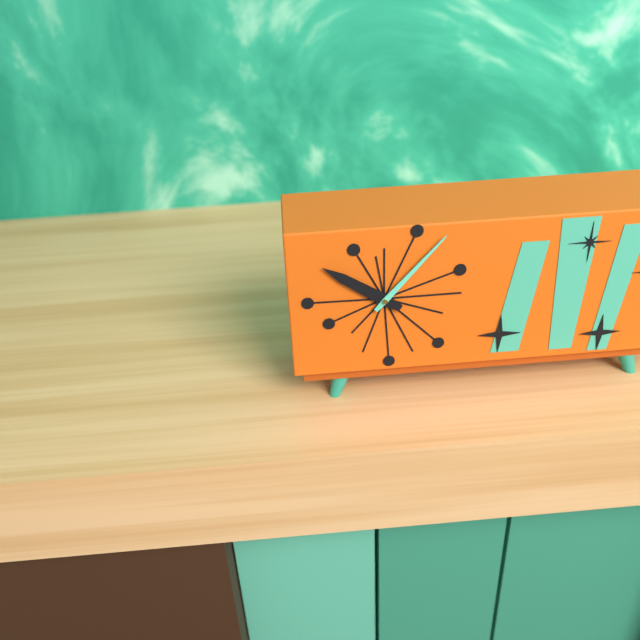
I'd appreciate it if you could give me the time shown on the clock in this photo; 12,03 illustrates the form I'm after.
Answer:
10,07
